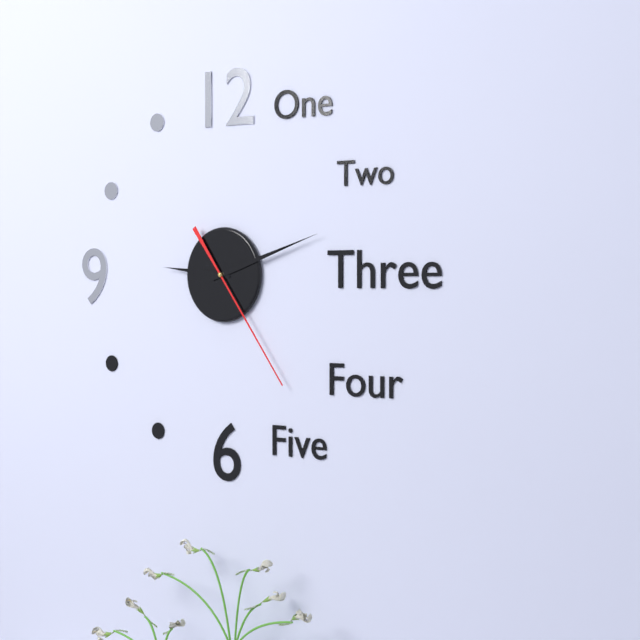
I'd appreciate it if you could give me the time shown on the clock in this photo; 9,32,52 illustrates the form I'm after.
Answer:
9,12,24
